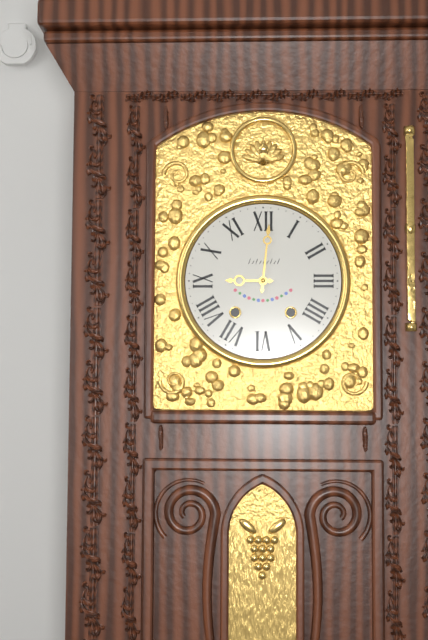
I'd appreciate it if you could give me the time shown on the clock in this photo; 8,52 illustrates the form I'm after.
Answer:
9,01
